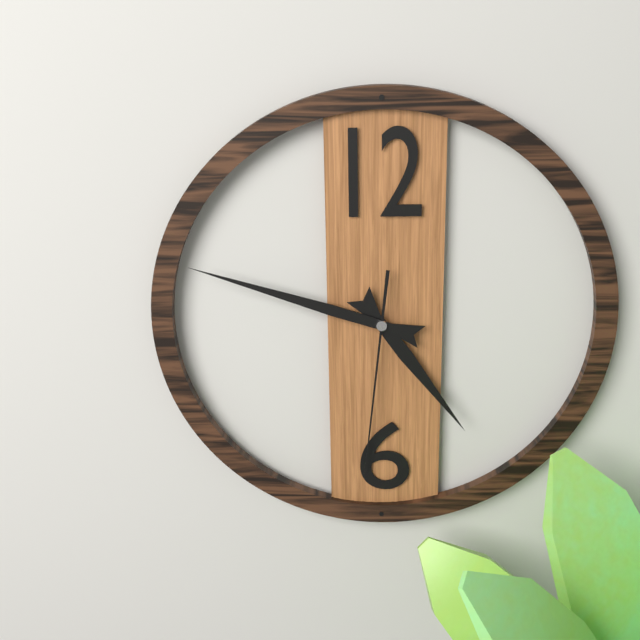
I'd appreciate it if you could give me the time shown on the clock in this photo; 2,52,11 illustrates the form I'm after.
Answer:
4,48,31
